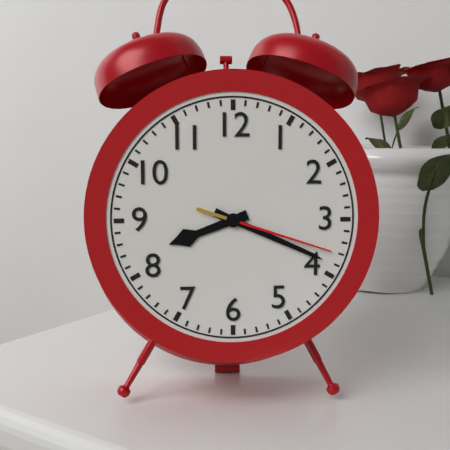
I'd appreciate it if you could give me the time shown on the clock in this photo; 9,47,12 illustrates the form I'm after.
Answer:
8,19,18
